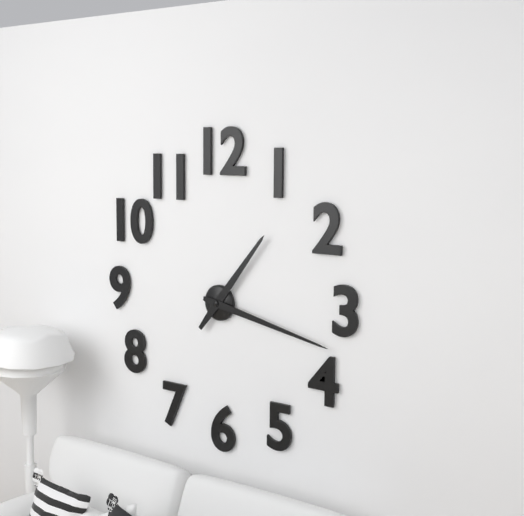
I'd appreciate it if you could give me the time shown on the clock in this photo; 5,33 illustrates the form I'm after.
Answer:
1,17
